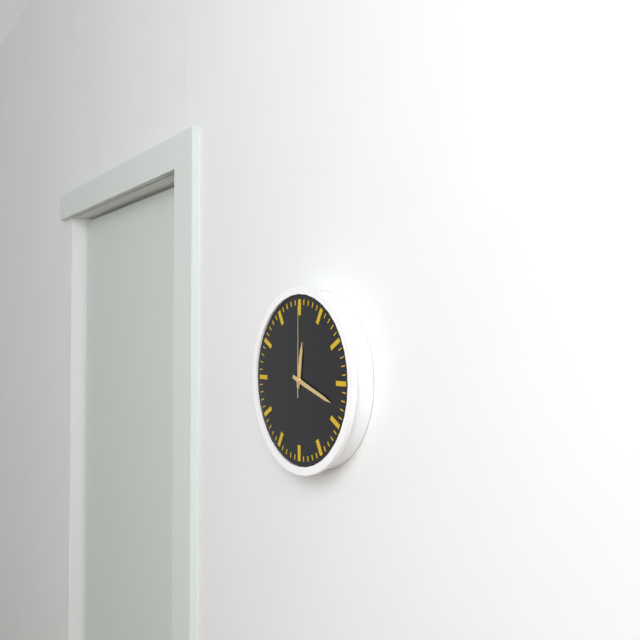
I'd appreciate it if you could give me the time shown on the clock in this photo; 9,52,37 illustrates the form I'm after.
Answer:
12,18,00
